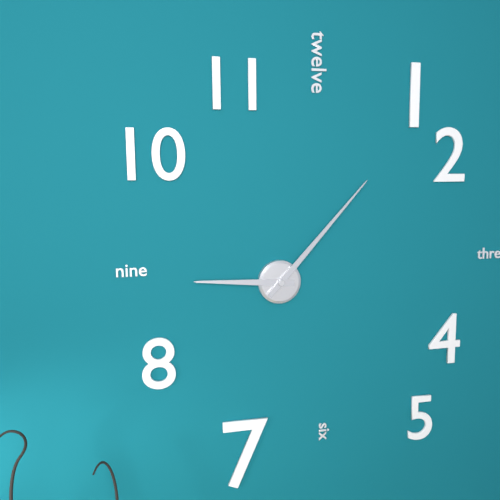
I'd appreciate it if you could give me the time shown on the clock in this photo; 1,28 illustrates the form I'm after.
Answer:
9,07
